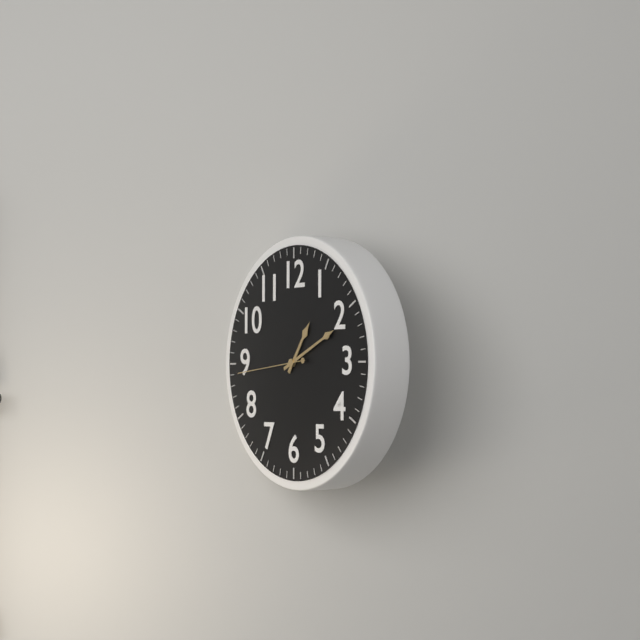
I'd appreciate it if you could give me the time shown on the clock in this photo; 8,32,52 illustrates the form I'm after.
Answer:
1,11,44
